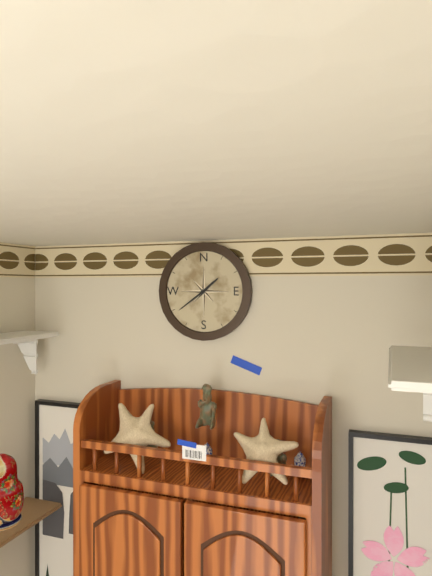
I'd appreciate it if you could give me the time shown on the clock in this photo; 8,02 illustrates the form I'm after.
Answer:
1,39
